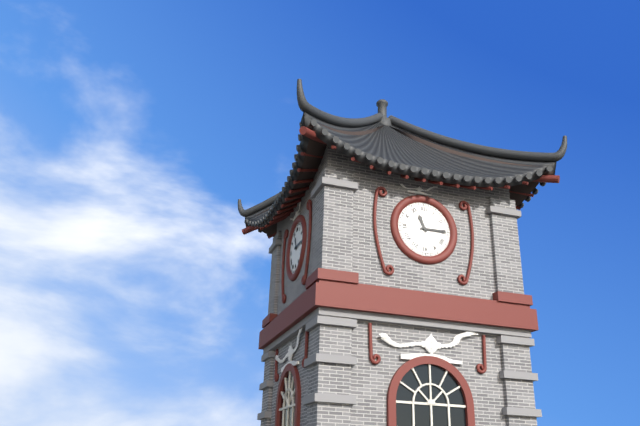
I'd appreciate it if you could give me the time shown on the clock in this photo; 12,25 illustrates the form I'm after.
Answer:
11,15
